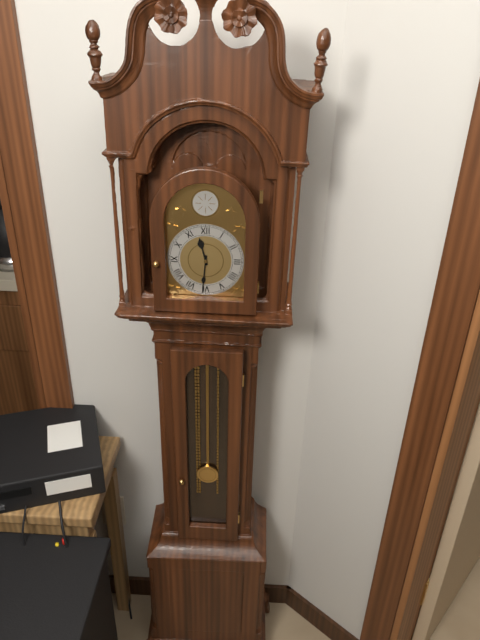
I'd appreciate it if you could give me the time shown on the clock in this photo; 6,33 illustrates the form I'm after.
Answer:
11,31
